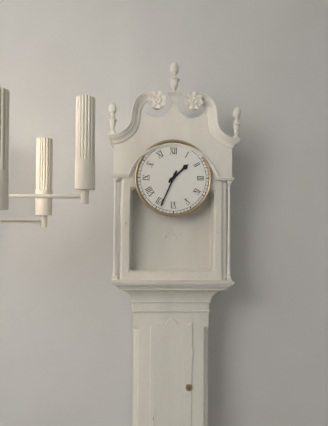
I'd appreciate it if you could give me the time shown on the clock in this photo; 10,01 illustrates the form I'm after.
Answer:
1,34
